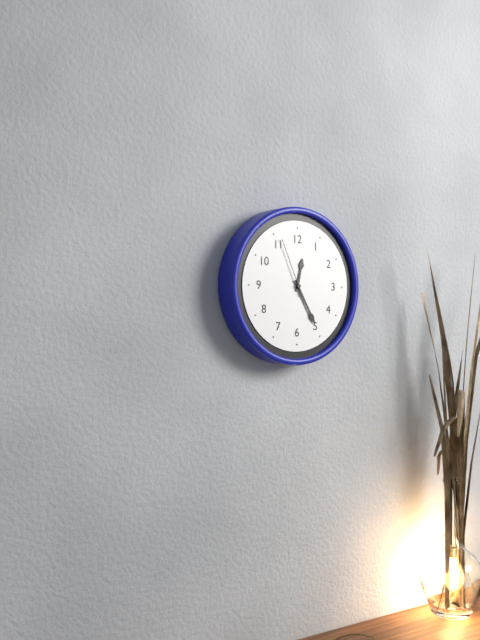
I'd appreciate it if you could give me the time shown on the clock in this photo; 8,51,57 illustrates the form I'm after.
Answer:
12,25,56
